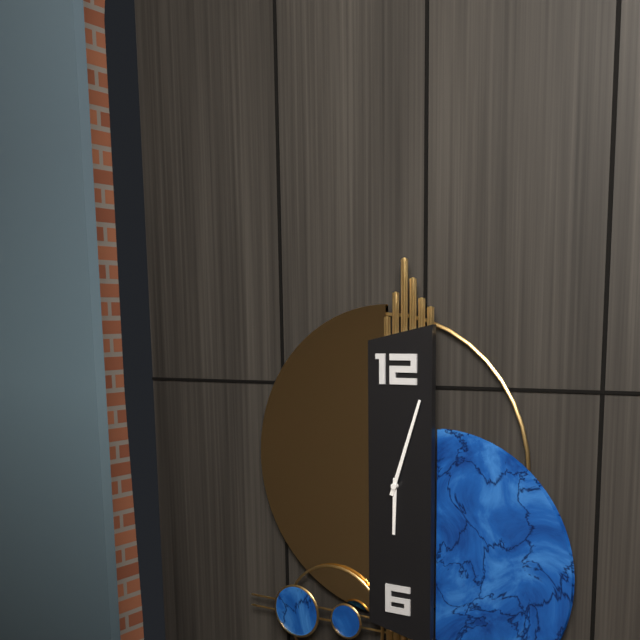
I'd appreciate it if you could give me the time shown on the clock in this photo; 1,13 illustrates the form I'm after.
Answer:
6,03
